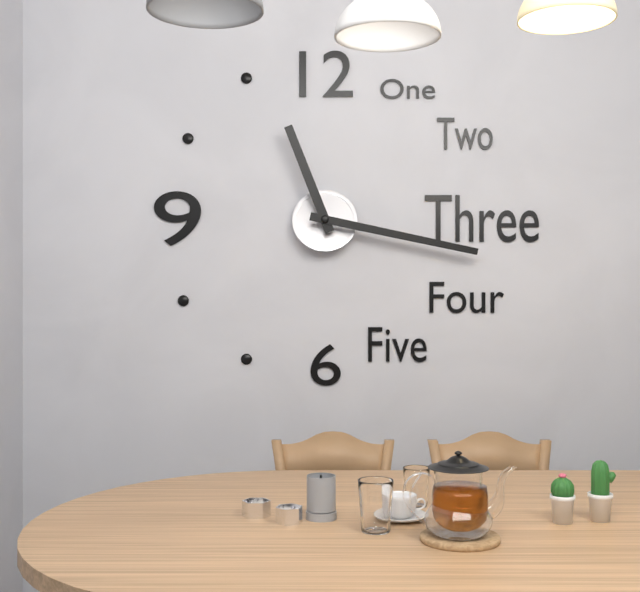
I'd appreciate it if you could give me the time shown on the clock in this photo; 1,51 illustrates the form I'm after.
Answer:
11,17
